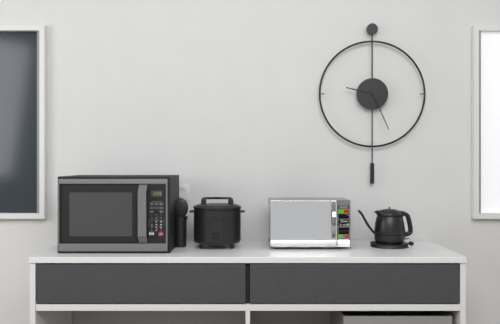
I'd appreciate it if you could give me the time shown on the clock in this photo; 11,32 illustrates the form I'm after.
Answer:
9,26
